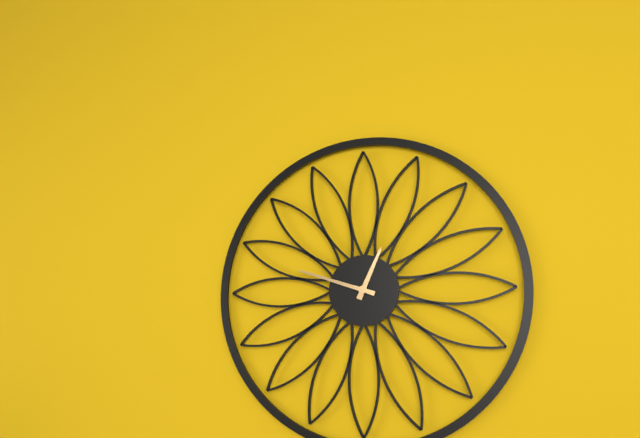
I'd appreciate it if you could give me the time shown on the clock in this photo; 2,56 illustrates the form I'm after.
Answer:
12,48
